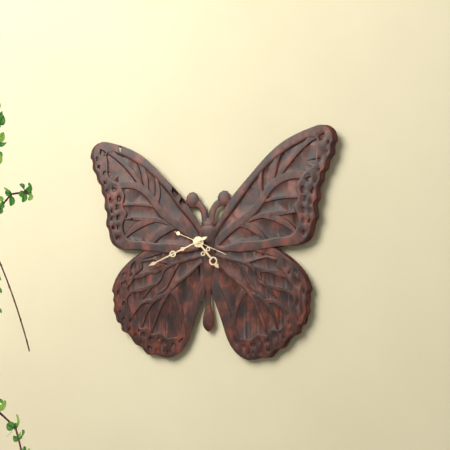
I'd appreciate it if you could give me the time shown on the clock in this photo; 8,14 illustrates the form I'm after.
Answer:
4,41
